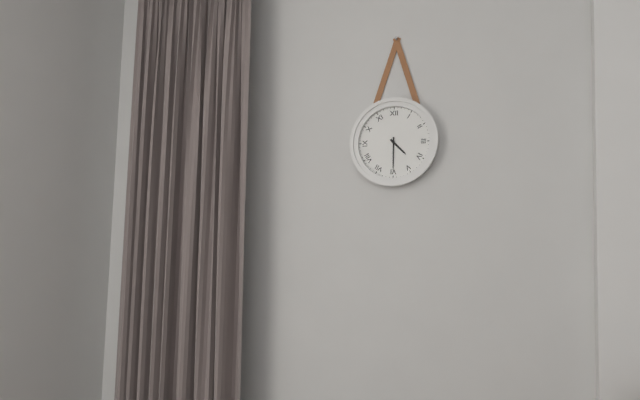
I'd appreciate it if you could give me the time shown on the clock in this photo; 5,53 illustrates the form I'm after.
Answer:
4,30
